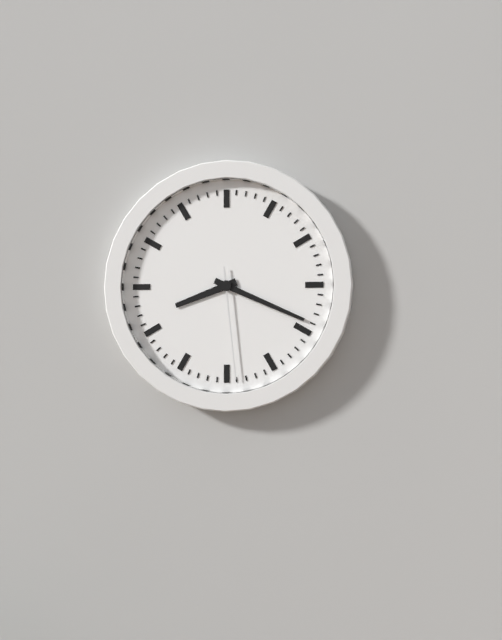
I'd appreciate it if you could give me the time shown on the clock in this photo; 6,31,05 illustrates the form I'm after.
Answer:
8,19,29
